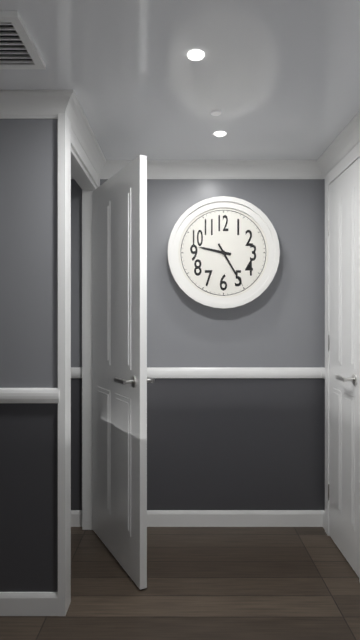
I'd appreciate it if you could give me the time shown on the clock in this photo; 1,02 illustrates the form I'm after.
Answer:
9,25
